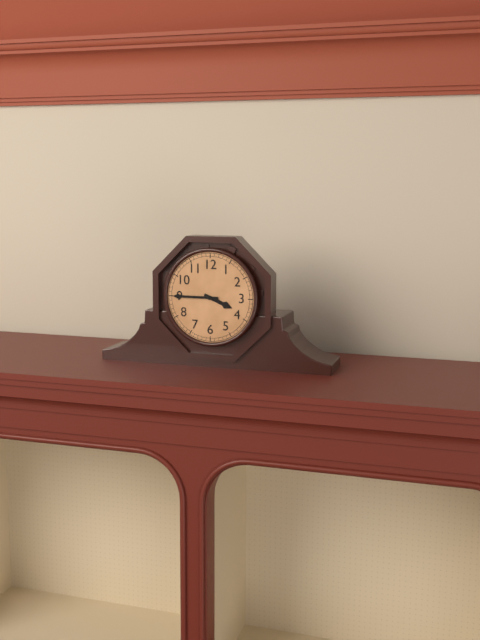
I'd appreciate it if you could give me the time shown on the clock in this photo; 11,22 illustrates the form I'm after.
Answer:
3,45
